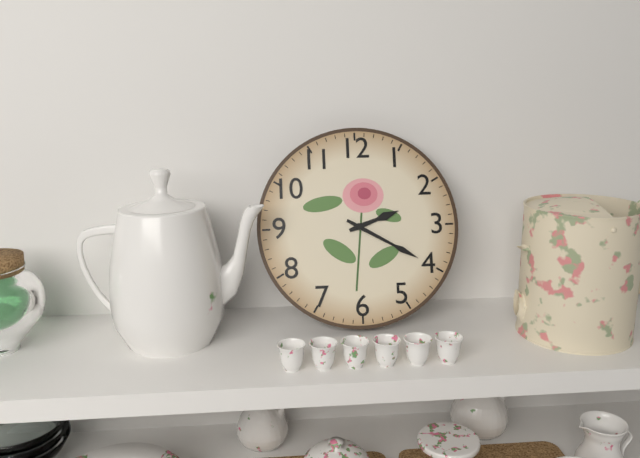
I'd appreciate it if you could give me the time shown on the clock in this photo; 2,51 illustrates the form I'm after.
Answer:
2,20
